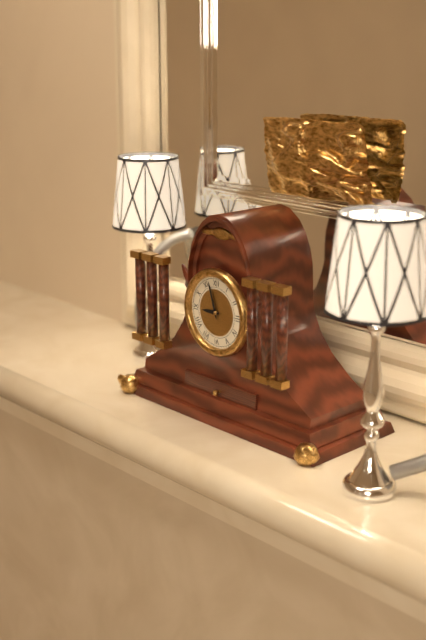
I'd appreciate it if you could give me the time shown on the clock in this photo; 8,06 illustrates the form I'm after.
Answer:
8,57
